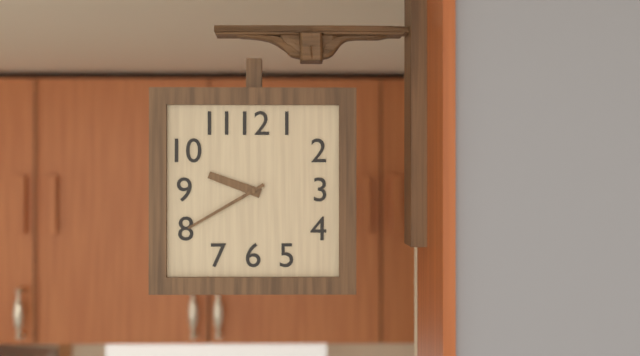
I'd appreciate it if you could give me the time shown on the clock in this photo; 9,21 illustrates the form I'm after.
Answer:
9,40
